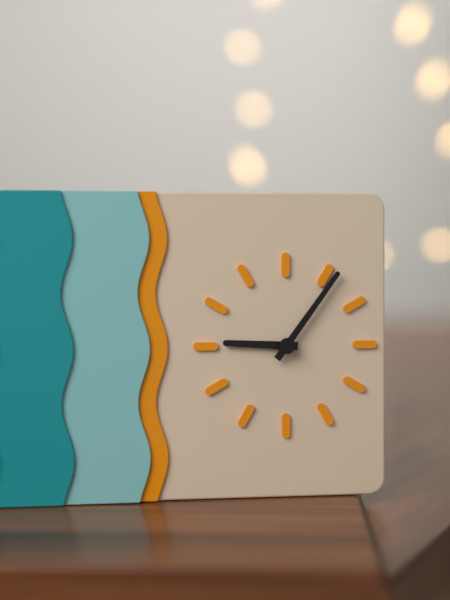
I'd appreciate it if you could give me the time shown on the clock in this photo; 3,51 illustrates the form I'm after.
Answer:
9,06
